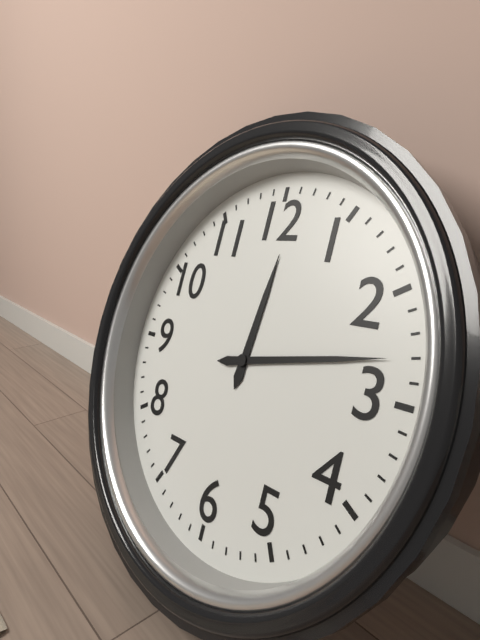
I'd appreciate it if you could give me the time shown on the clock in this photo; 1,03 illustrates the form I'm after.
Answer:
12,13
